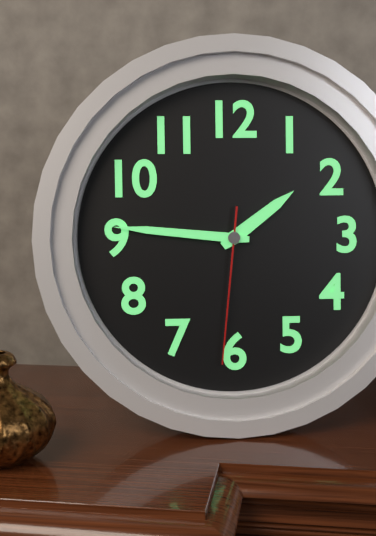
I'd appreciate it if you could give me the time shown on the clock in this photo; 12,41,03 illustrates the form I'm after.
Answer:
1,46,31
